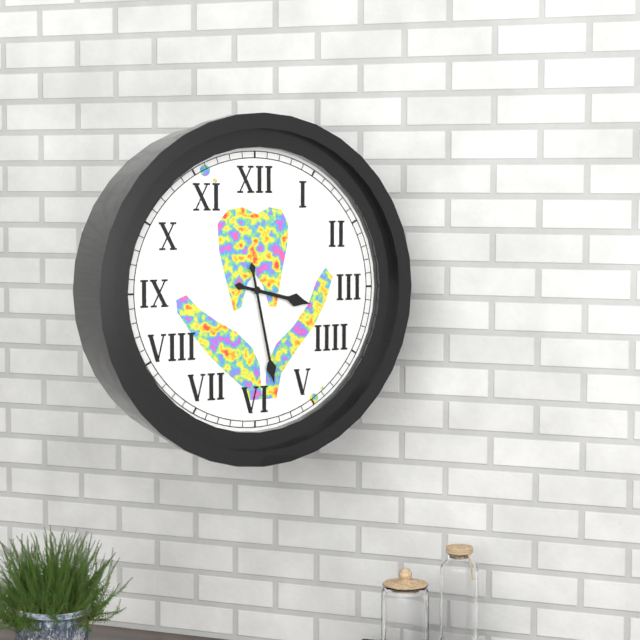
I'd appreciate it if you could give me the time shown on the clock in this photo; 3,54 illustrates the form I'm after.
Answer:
3,28
